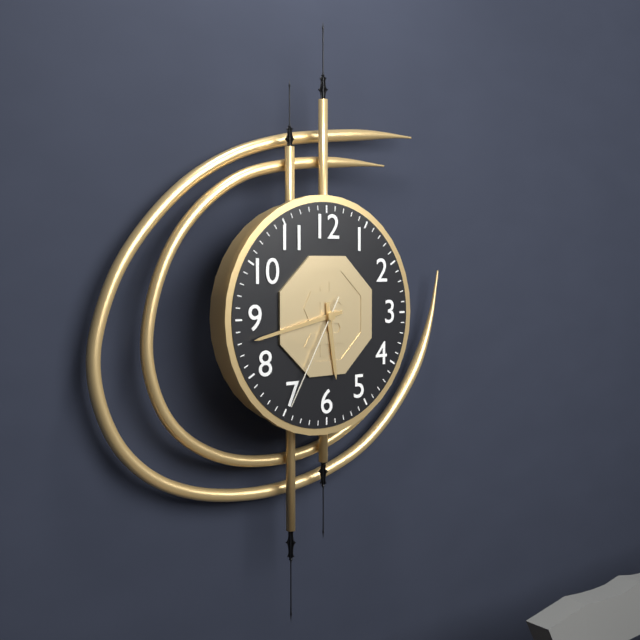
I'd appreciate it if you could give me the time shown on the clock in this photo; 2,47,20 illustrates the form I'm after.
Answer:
5,43,35
